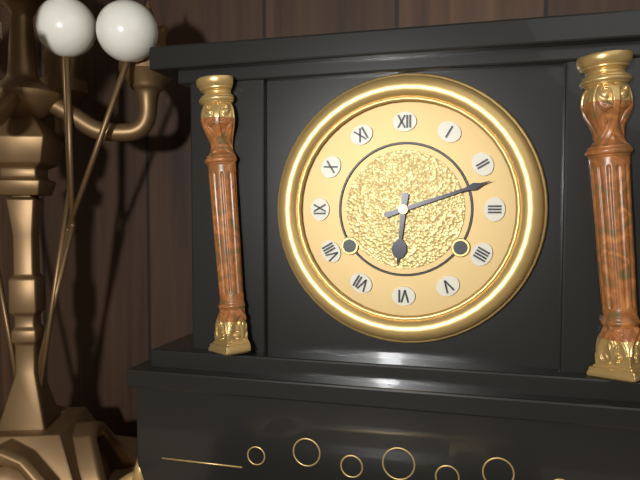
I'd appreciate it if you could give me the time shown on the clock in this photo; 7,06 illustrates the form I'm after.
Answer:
6,12
